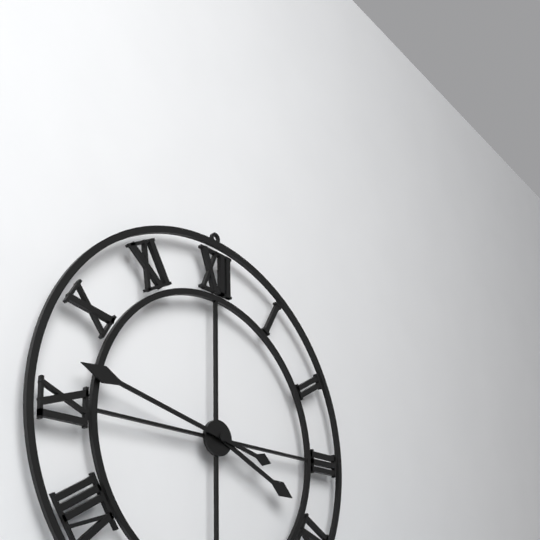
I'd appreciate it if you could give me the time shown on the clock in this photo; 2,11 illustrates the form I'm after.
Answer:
3,47
